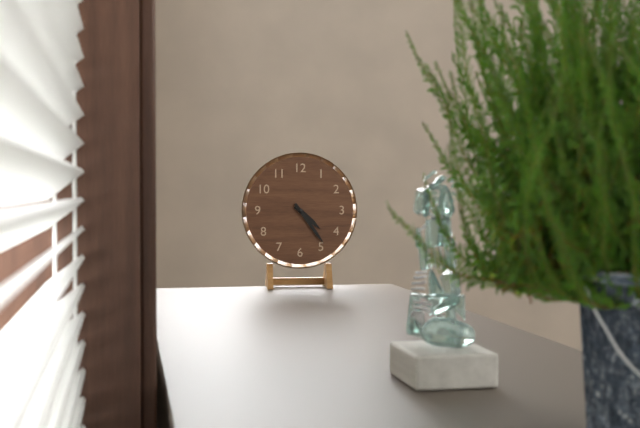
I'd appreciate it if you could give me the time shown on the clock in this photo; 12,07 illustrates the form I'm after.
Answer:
4,24
